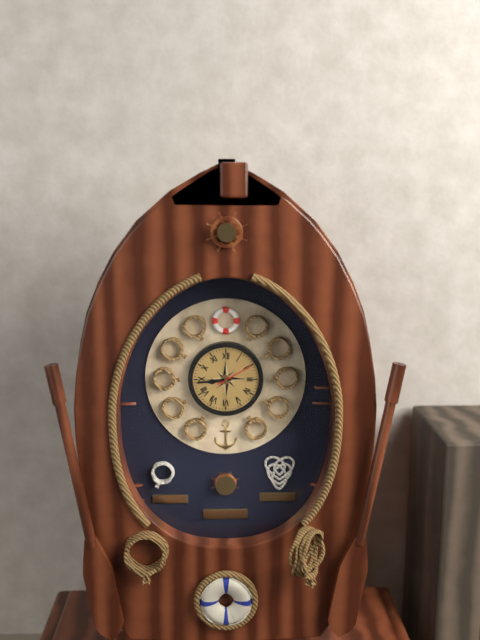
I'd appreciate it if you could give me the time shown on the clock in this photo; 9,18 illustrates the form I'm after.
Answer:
8,44
